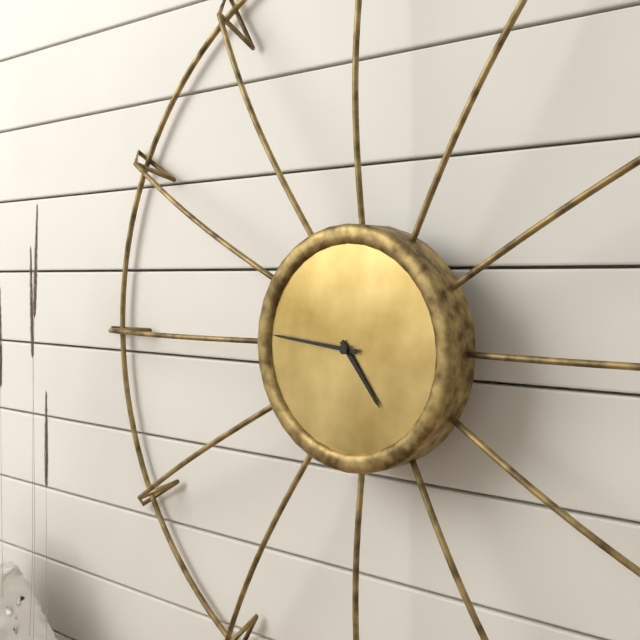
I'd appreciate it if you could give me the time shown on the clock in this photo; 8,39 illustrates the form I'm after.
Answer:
4,46
